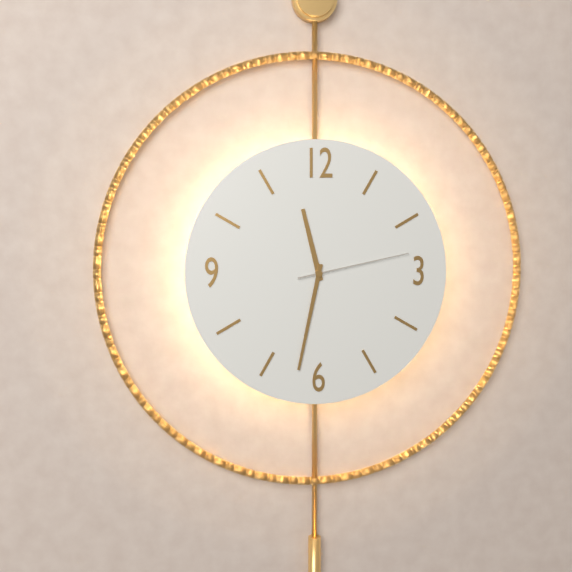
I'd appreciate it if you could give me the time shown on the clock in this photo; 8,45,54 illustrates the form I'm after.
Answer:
11,32,13
